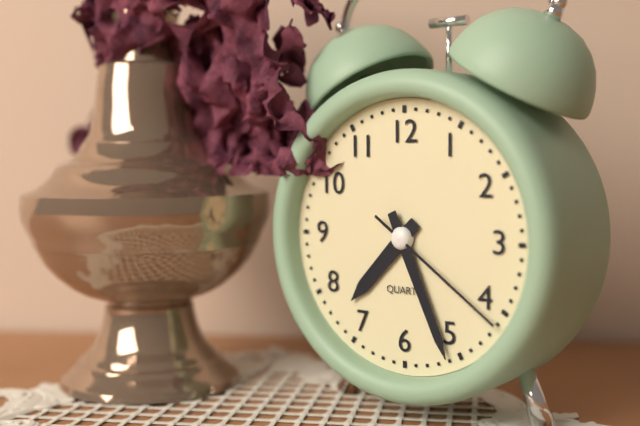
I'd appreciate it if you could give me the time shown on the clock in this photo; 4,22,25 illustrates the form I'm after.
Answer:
7,26,21
